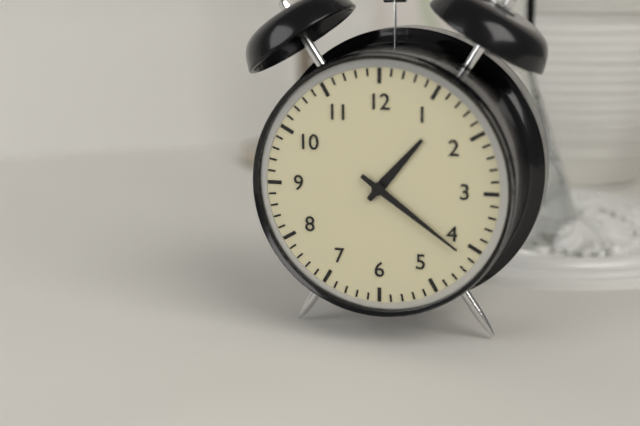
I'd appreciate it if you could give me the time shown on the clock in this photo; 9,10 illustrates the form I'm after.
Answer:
1,21
